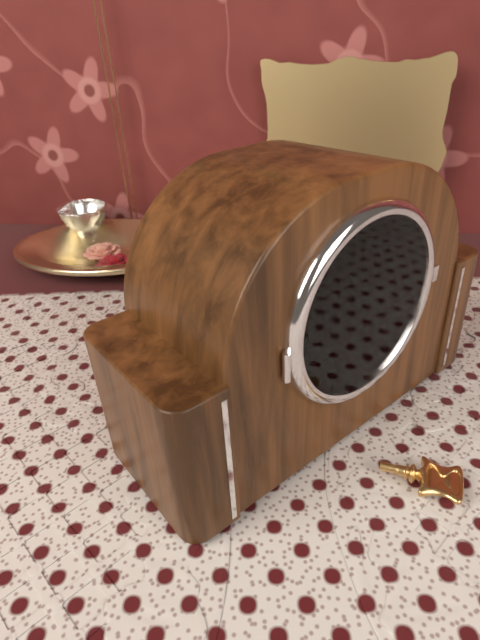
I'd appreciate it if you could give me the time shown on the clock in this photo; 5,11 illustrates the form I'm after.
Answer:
12,04
